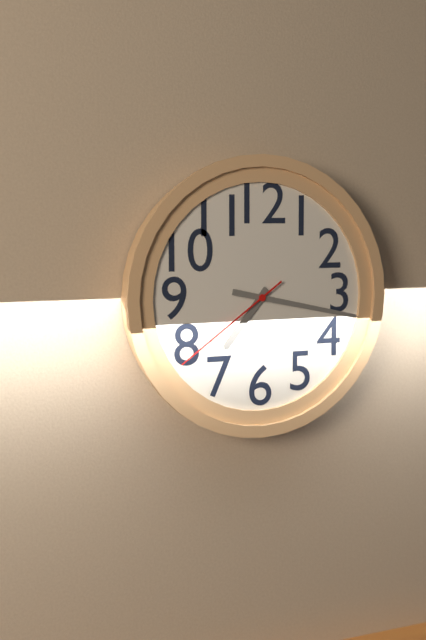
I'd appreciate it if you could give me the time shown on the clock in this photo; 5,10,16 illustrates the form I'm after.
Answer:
7,17,39
